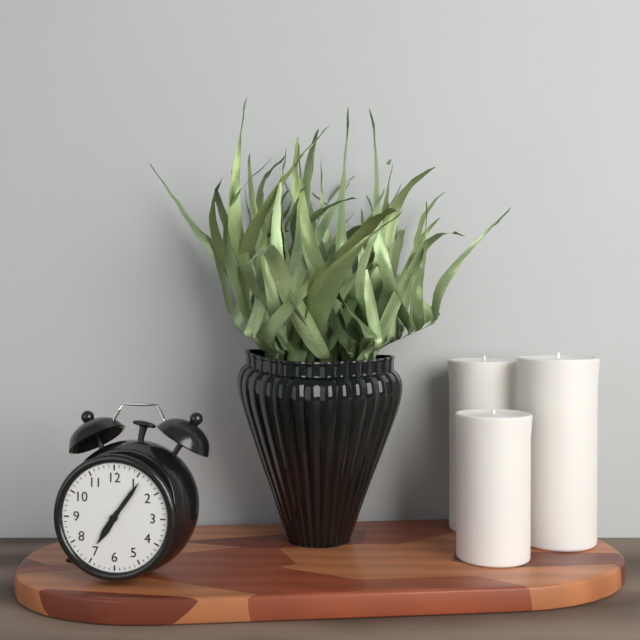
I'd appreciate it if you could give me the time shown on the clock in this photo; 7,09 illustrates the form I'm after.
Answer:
7,06
